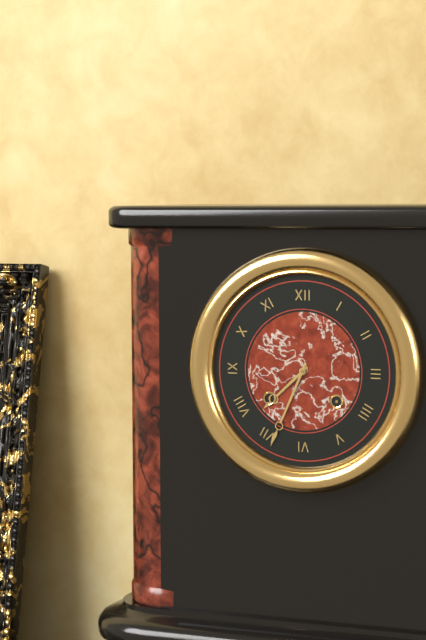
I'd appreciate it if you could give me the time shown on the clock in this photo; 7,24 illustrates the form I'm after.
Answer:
7,34
